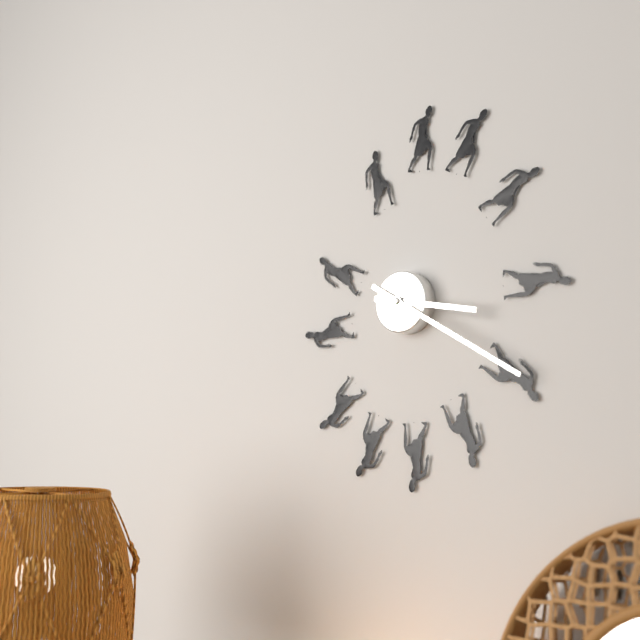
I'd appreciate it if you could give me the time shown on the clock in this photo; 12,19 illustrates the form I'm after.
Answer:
3,20
